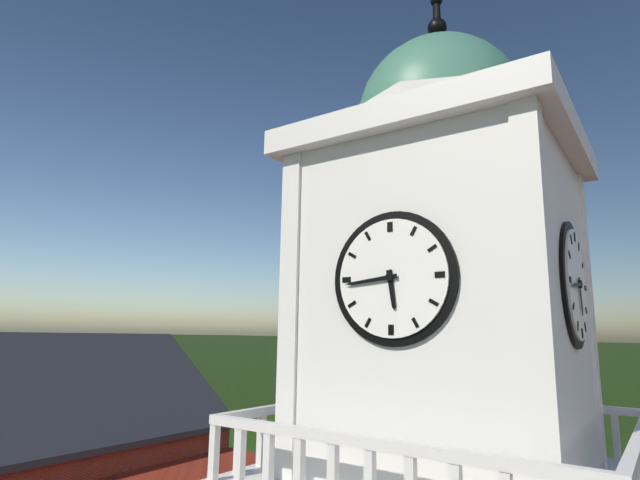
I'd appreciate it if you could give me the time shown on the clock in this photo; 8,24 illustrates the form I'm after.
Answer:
5,44
